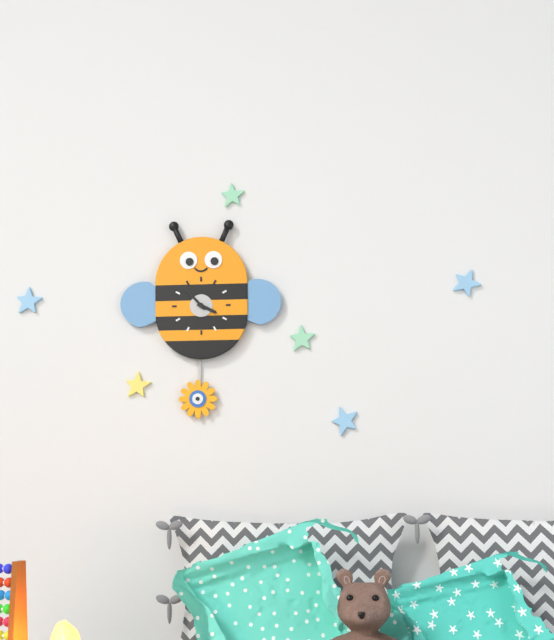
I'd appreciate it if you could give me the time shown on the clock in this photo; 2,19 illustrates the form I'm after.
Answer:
3,53
